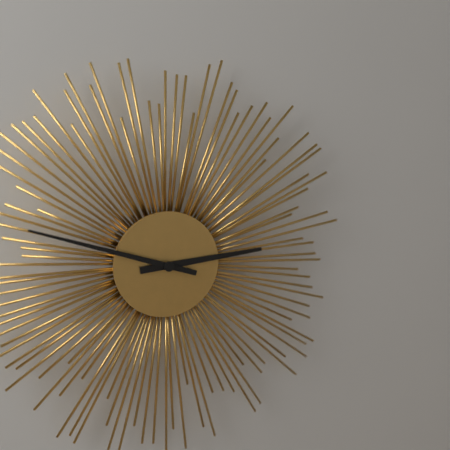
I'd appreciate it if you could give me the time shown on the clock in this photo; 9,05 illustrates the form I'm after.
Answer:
2,48
